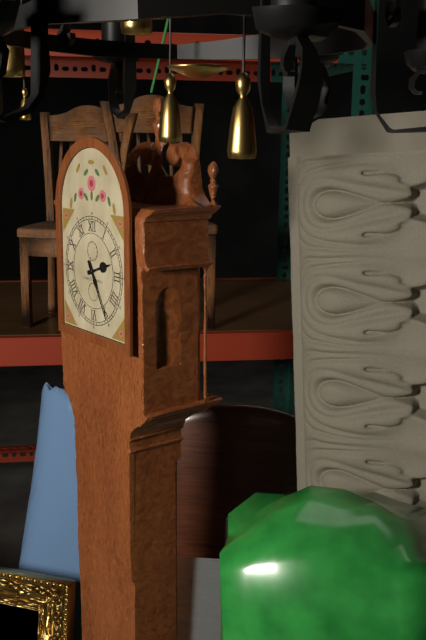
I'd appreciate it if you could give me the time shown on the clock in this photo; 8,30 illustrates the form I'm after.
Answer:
2,25
